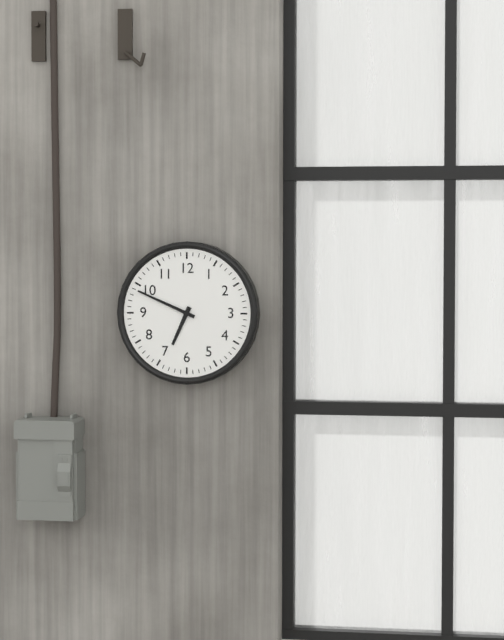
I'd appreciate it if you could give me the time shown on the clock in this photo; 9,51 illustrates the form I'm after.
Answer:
6,49
